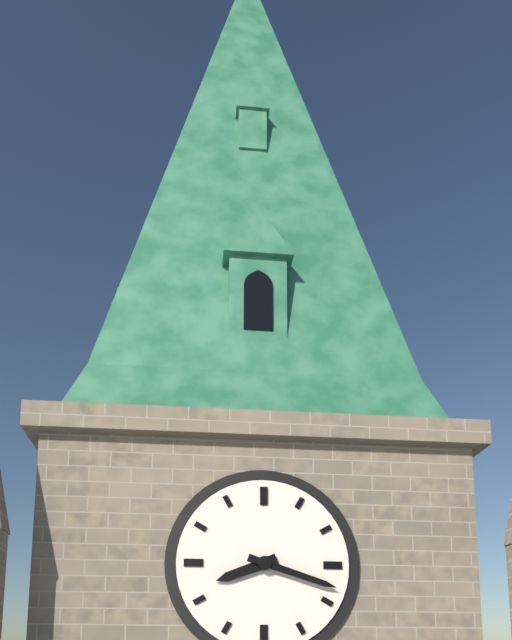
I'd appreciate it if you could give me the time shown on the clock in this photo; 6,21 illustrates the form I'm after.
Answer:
8,18
